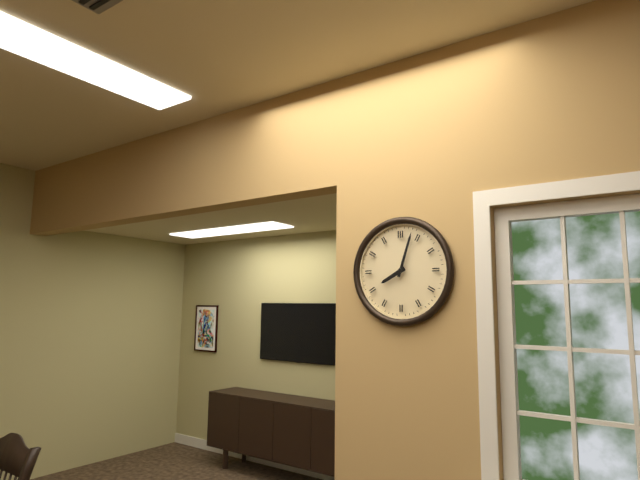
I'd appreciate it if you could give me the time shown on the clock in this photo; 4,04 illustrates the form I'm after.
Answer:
8,03
